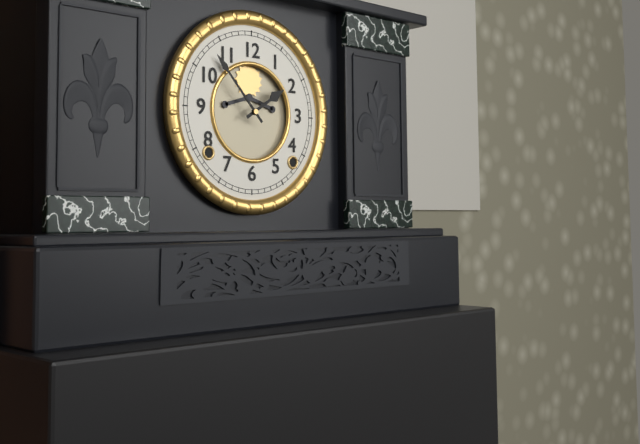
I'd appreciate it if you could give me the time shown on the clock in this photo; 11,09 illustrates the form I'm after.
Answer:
1,53
